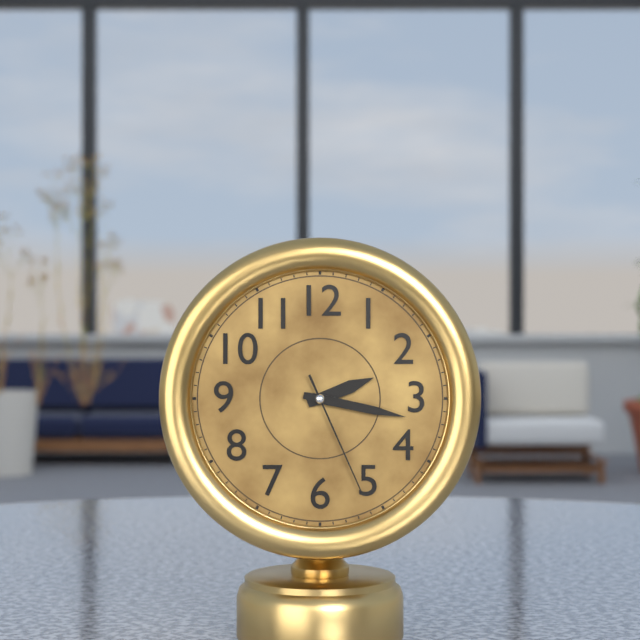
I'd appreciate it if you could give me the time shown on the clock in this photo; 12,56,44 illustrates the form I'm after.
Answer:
2,17,26
